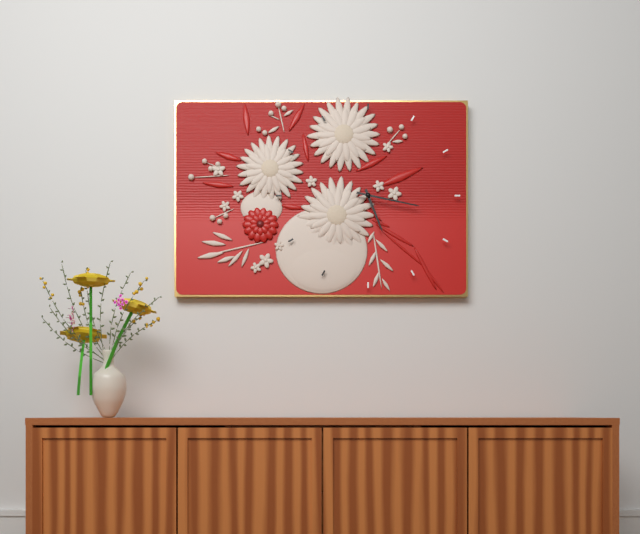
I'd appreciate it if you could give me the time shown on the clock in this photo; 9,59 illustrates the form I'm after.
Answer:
5,17
